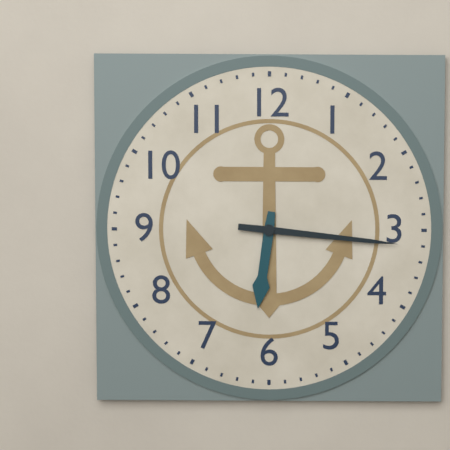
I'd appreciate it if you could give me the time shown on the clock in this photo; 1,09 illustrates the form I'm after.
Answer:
6,16
